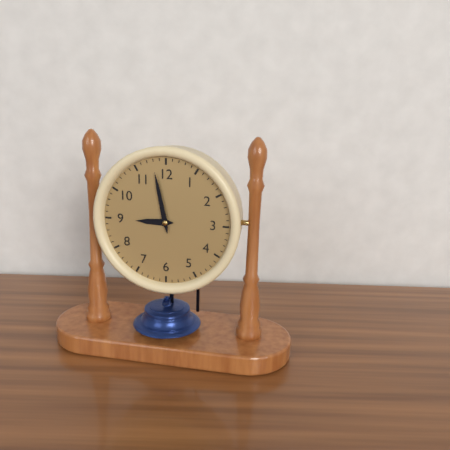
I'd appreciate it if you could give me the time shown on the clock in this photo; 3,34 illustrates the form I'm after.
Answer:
8,58
